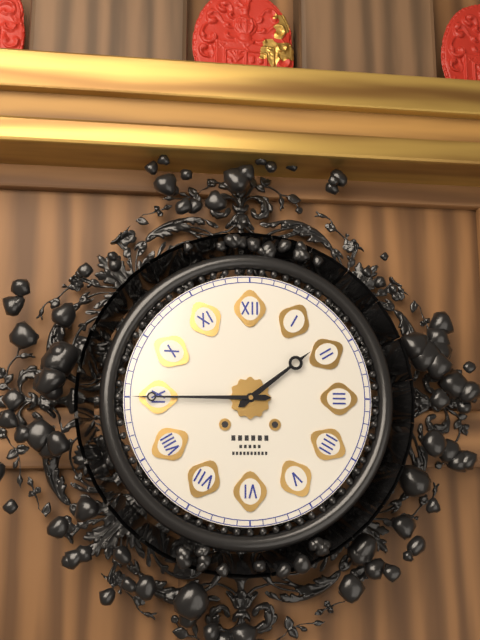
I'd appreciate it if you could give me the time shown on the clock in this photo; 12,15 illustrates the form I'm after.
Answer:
1,45
